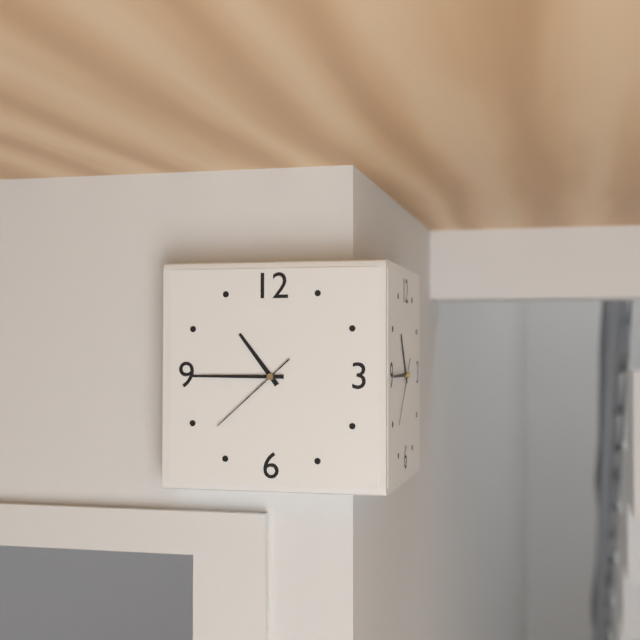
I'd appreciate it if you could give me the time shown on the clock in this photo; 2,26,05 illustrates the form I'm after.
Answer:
10,45,38
